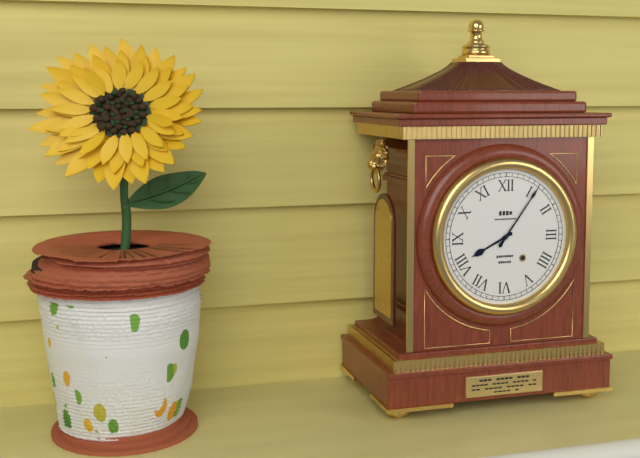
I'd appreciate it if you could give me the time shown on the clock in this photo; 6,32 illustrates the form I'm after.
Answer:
8,06
